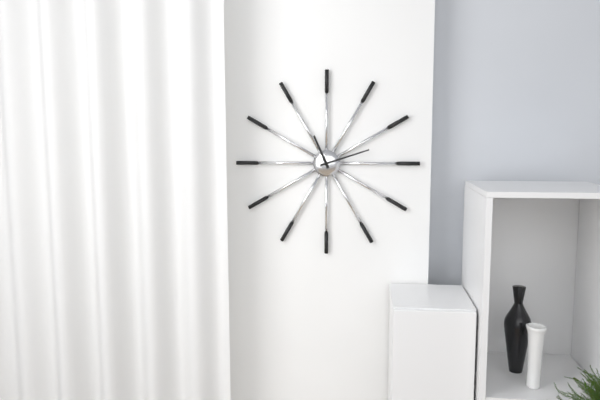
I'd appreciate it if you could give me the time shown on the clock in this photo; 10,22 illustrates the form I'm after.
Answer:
11,12
